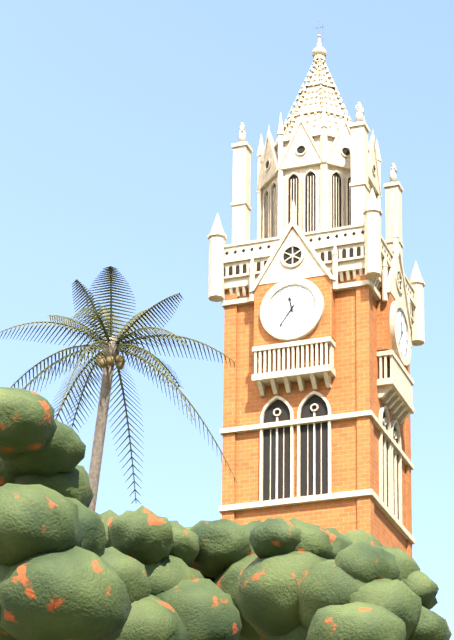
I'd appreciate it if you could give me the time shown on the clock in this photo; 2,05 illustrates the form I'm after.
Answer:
11,36
